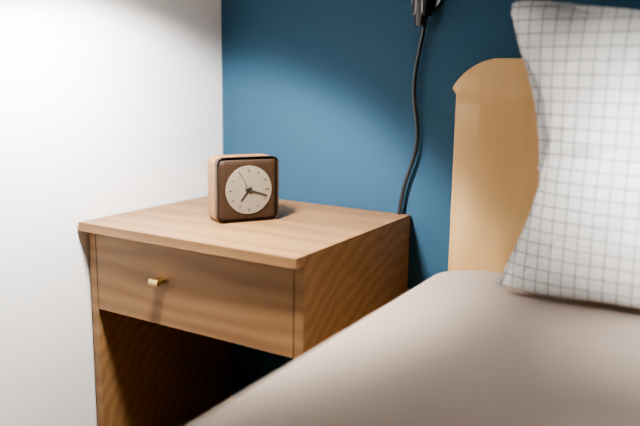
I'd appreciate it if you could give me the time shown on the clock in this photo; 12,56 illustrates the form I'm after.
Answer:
7,18
